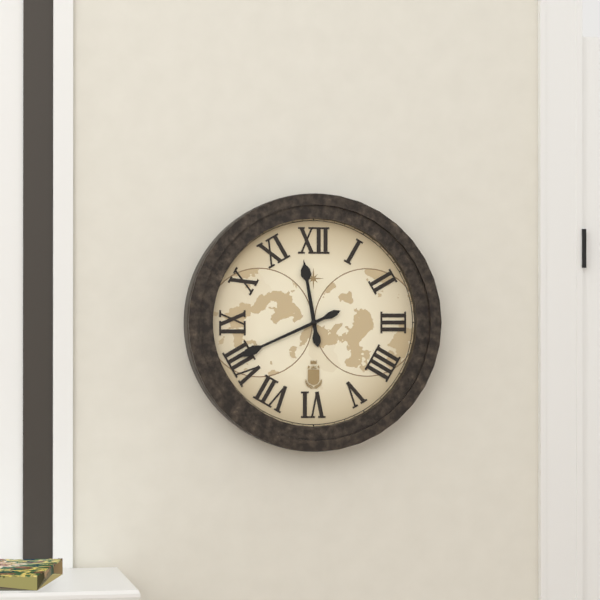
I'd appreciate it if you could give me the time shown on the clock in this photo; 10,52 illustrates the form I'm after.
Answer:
11,41
